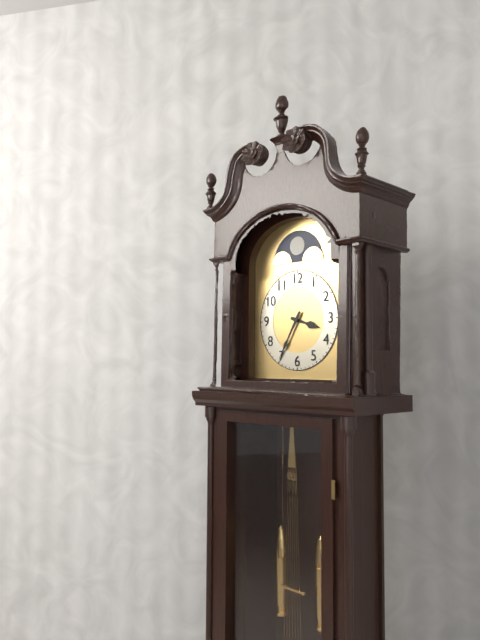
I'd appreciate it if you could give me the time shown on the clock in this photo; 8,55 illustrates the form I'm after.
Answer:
3,35
